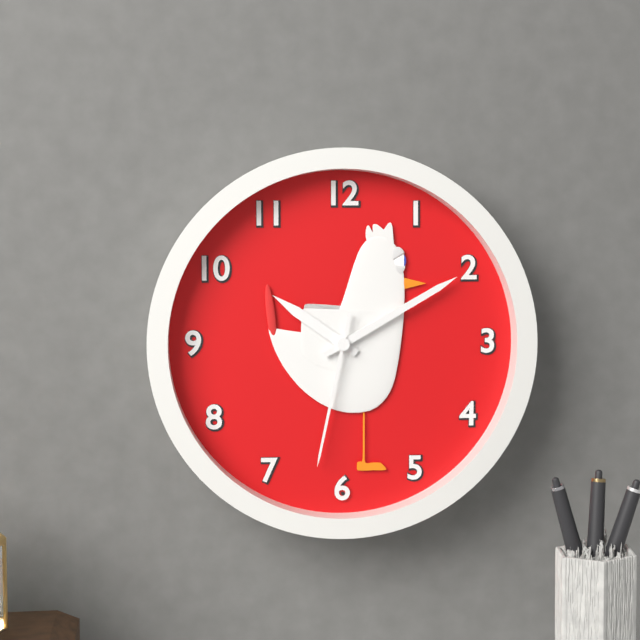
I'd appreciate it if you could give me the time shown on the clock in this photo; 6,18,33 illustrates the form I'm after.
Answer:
10,10,32
